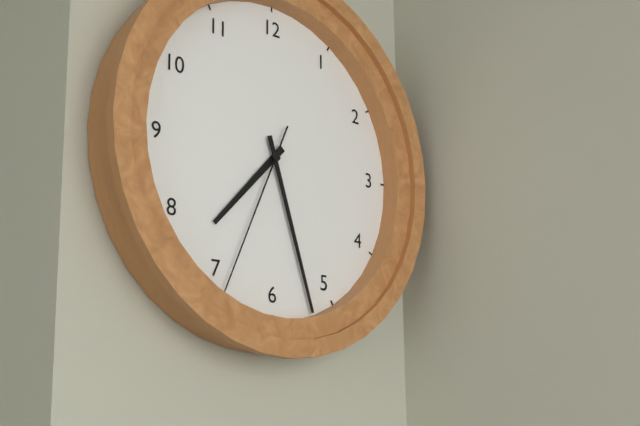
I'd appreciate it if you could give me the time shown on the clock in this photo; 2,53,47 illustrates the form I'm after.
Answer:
7,27,34
